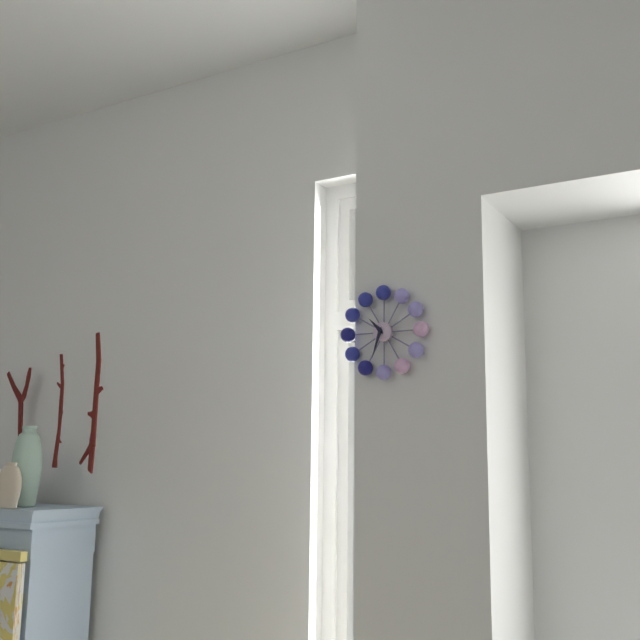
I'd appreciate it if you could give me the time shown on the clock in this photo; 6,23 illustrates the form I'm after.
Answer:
10,33
